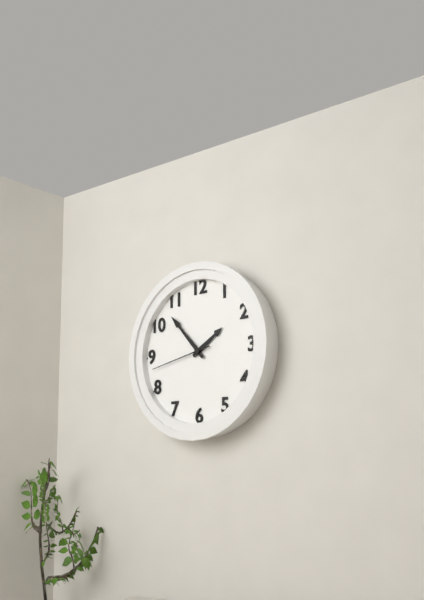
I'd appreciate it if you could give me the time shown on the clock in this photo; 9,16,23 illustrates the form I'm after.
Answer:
1,53,43
